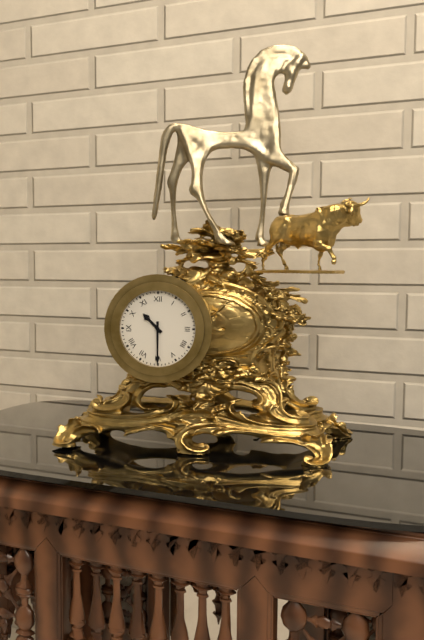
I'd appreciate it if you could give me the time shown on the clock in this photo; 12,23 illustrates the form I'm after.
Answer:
10,30
